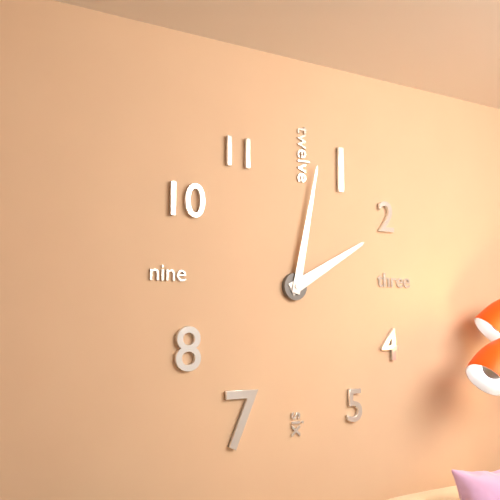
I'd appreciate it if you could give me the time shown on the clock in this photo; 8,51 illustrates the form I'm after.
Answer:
2,02
